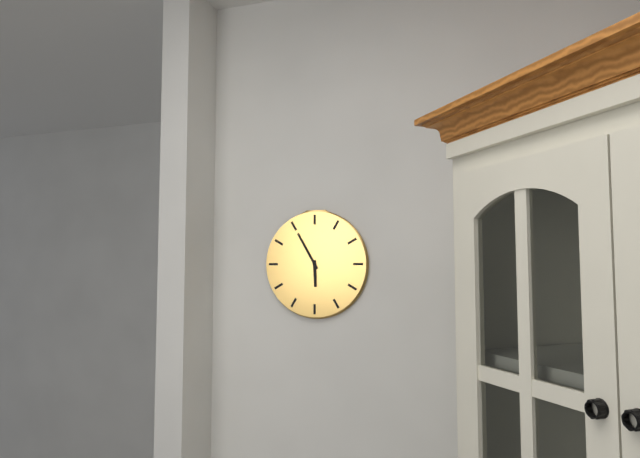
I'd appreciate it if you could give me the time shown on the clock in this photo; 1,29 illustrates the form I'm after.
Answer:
5,55
